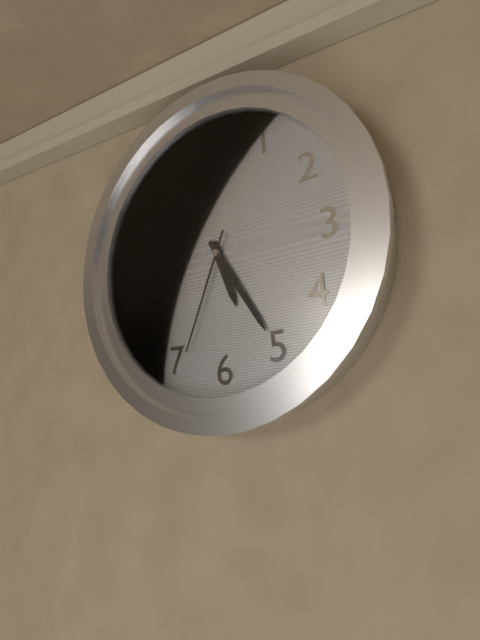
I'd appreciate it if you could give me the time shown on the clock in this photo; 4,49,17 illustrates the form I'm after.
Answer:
5,25,34
